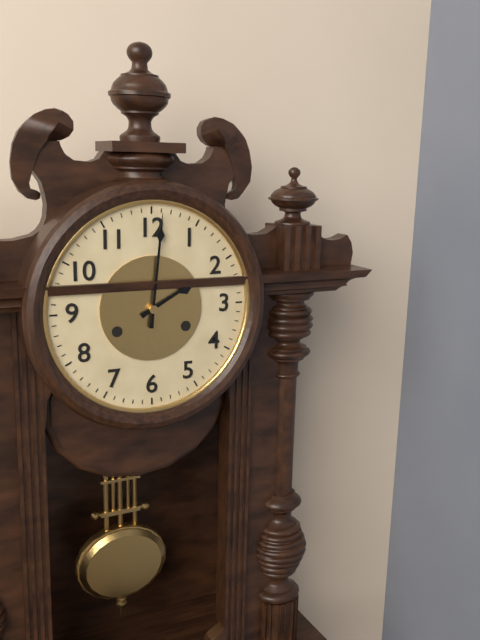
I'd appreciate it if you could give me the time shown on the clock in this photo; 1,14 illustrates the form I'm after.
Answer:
2,01
